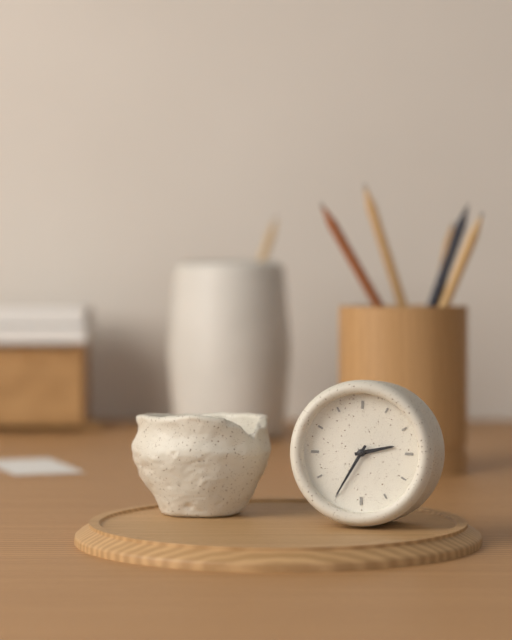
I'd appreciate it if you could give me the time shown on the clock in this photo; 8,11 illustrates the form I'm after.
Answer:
2,35
